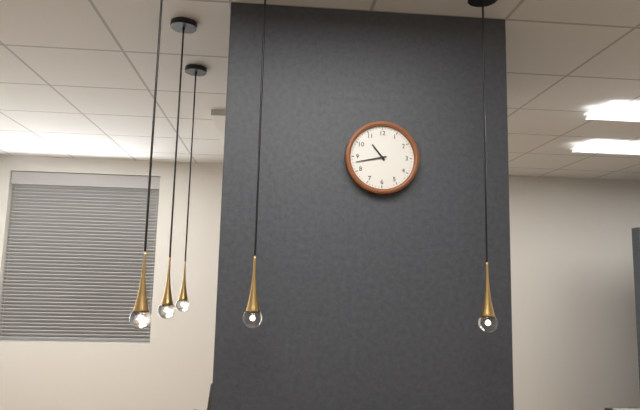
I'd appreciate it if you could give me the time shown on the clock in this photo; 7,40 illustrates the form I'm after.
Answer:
10,43
